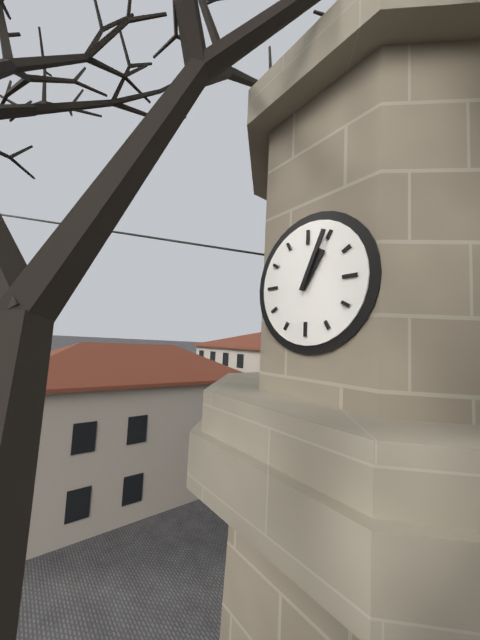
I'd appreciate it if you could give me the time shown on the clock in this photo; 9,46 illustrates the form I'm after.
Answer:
1,04
